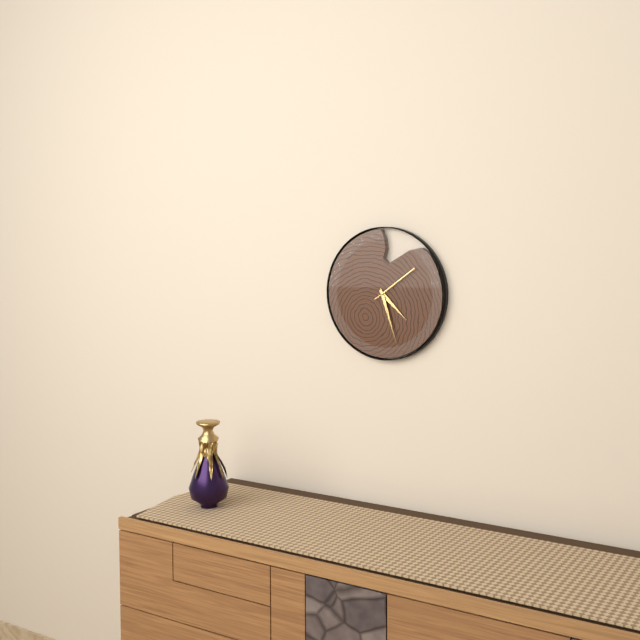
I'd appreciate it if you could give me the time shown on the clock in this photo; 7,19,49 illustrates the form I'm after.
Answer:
4,27,09
